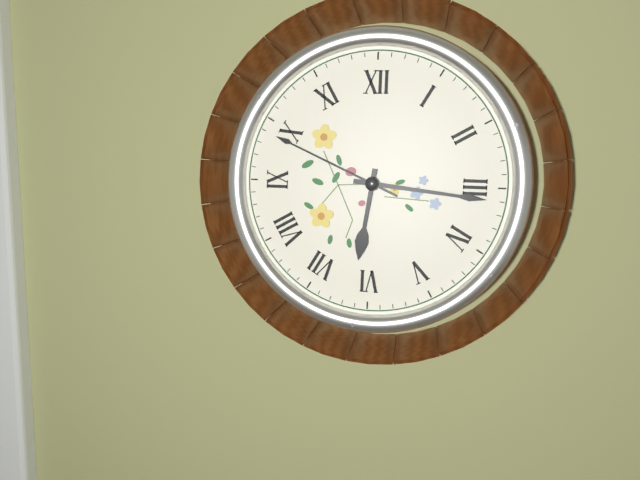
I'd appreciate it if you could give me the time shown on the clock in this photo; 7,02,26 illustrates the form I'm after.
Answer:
6,16,49
